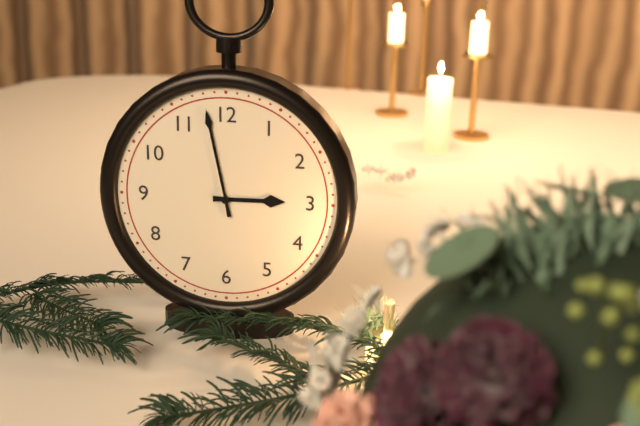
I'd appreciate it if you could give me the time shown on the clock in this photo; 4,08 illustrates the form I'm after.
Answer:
2,58
